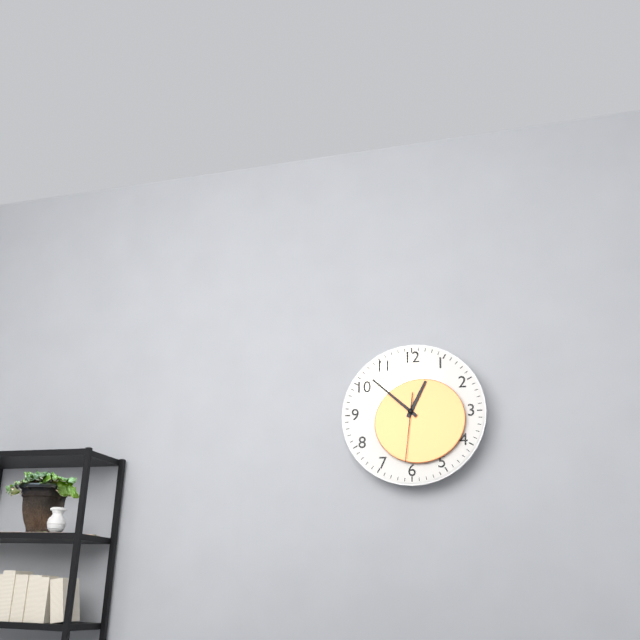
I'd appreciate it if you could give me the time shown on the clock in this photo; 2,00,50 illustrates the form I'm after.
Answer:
12,52,31
